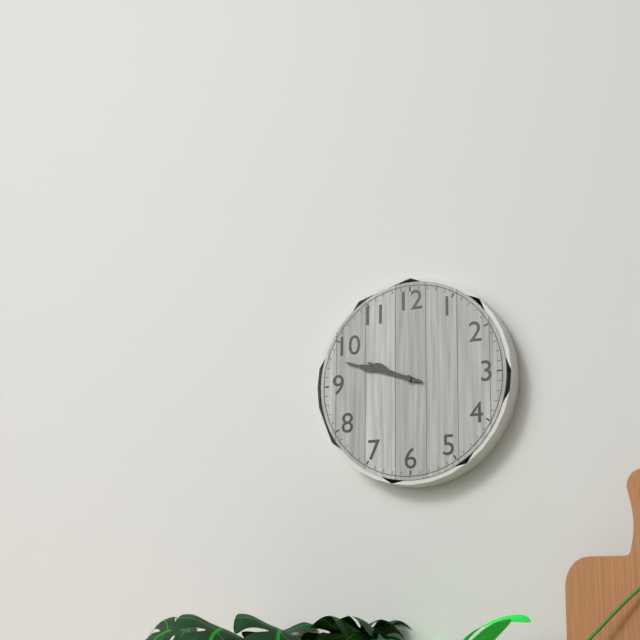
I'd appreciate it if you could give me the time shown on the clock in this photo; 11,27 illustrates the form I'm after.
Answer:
9,48
